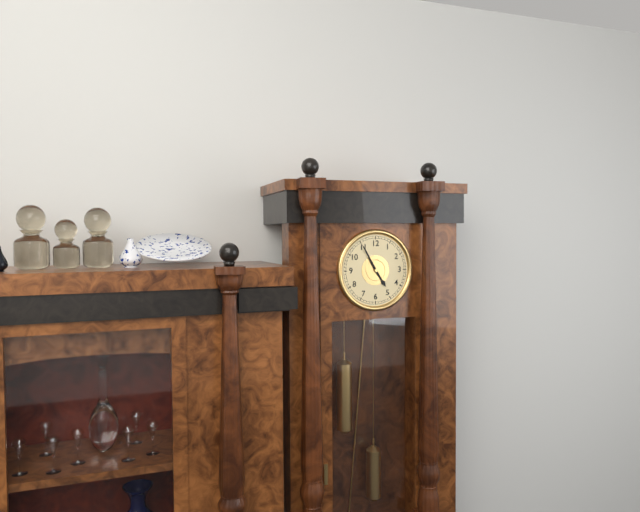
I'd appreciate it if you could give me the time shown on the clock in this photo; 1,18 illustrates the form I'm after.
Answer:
4,55
